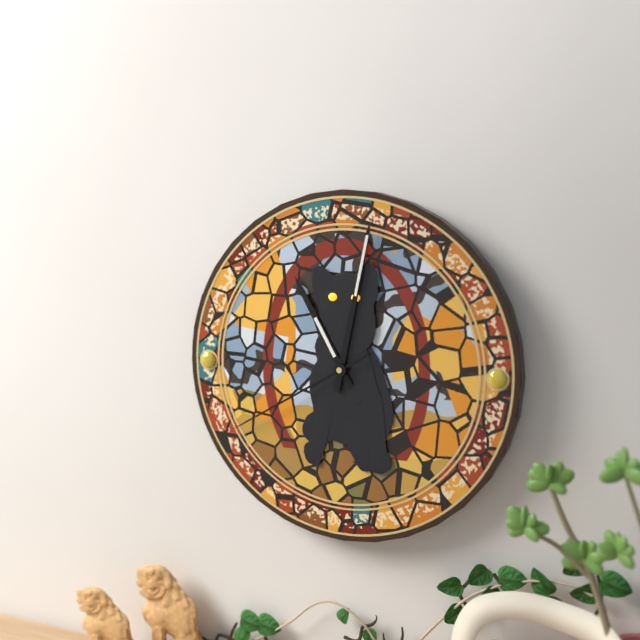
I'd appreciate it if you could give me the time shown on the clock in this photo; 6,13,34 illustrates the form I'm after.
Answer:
11,02,40
